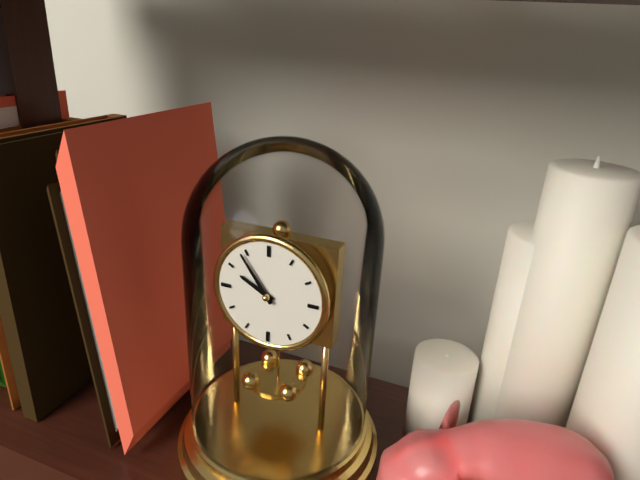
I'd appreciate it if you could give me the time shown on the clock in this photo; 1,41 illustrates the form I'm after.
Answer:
9,54
